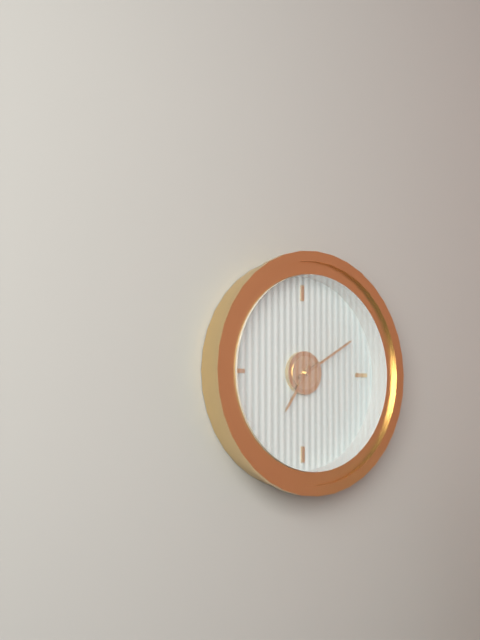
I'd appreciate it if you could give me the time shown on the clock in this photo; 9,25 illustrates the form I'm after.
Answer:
7,10
